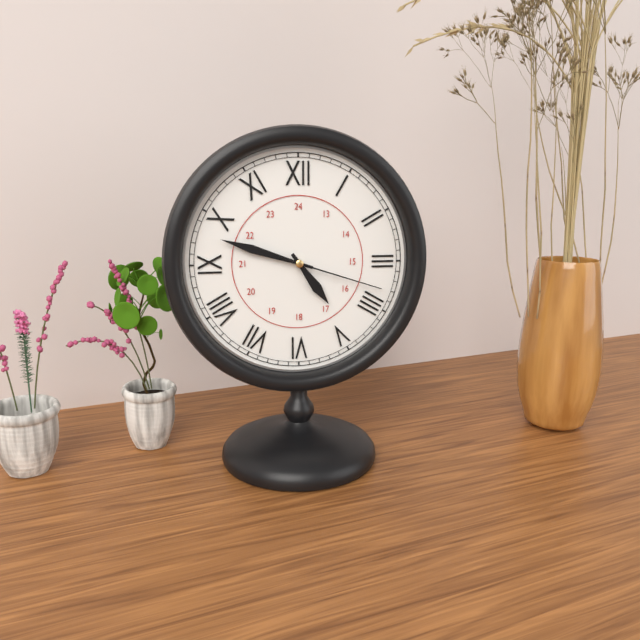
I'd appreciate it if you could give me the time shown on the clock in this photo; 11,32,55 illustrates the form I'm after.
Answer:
4,48,18
